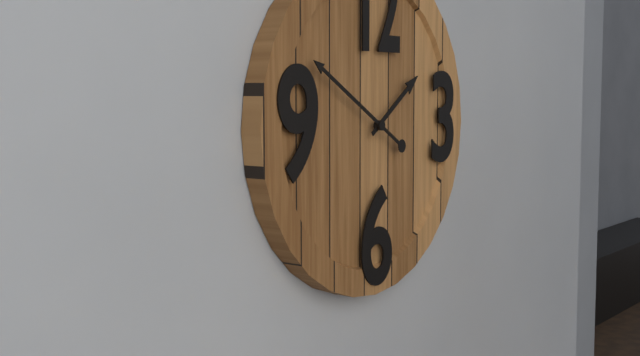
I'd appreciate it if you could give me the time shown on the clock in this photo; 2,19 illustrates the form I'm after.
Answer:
1,50
